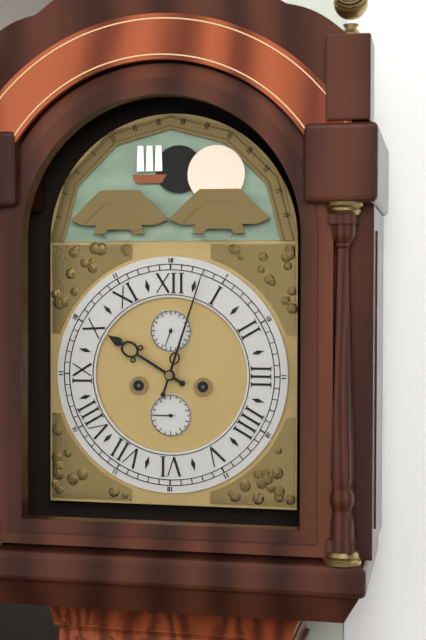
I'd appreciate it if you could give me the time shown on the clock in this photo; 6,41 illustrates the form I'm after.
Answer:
10,03
